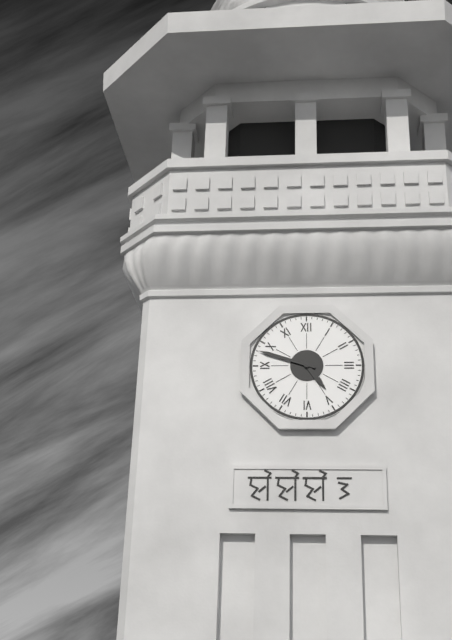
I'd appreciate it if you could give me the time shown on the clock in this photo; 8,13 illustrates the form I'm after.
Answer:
4,48
